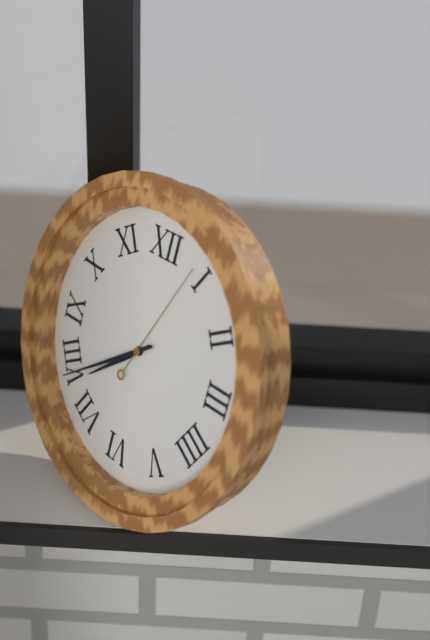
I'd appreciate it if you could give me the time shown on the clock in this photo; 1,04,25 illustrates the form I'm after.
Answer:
7,39,04
